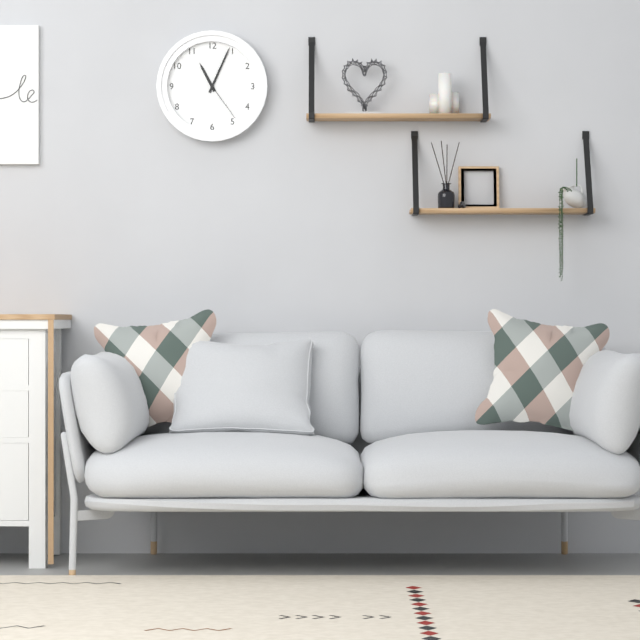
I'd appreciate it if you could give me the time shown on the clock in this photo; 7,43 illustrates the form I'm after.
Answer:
11,04
